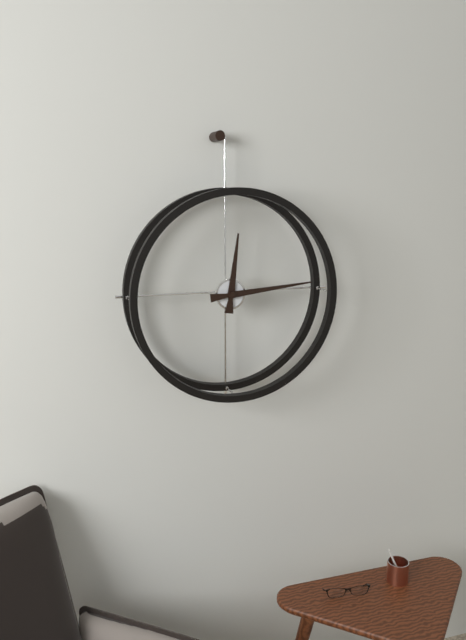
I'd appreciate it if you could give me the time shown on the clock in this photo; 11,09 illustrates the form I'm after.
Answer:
12,14
